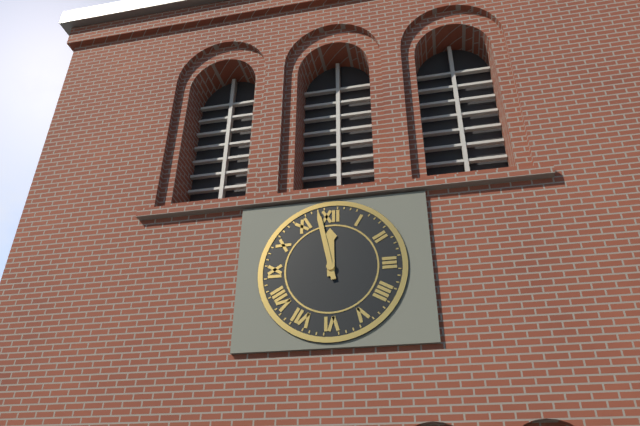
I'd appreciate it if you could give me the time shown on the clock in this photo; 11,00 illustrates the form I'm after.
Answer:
11,58
